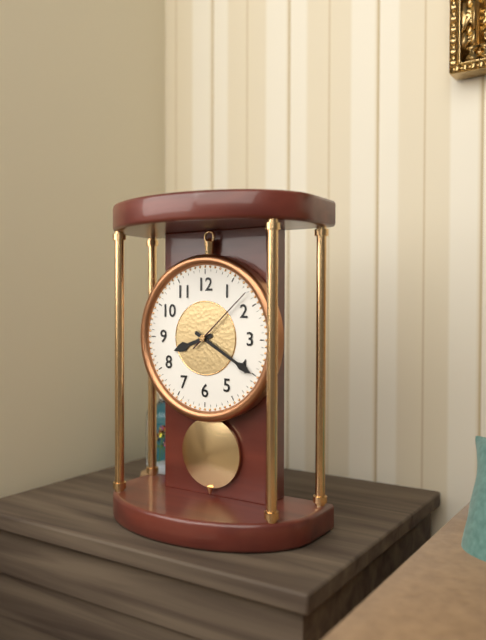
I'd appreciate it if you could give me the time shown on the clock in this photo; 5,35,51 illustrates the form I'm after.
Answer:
8,20,08
